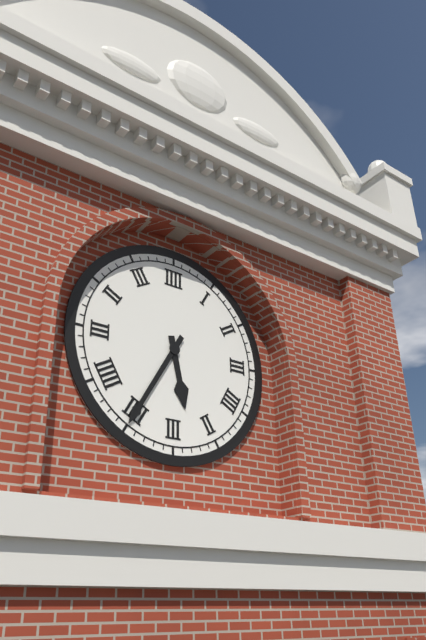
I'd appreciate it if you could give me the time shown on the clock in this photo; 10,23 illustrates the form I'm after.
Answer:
5,35
